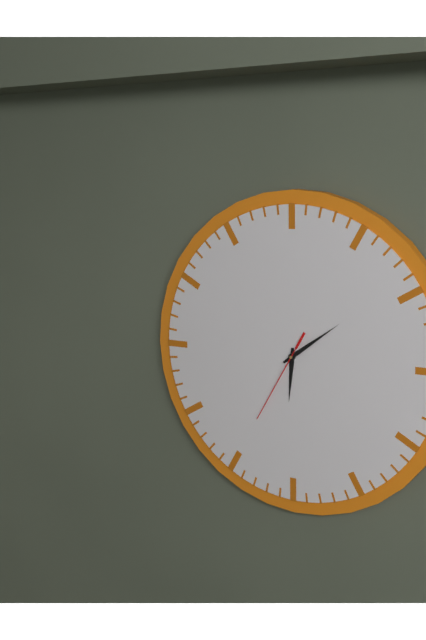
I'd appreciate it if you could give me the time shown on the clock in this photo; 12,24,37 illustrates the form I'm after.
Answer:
6,09,35
